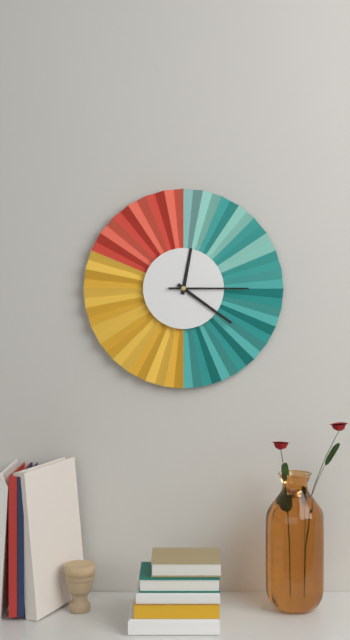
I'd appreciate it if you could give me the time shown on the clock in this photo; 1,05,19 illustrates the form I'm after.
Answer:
12,21,15
